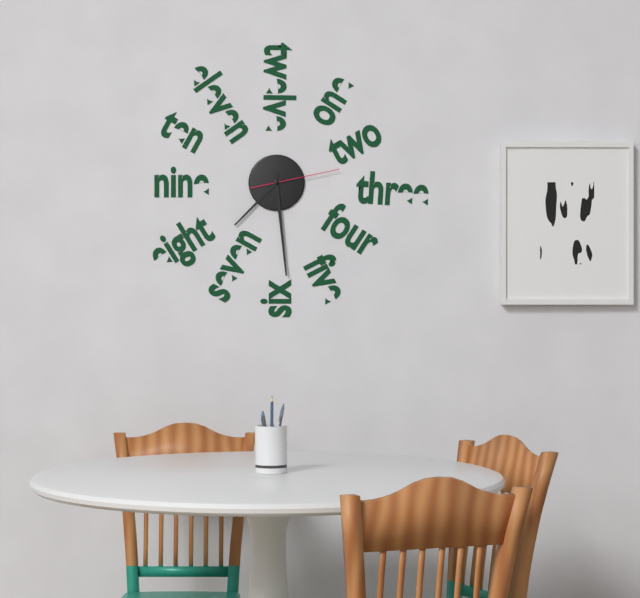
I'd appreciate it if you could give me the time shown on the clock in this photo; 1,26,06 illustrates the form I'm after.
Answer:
7,29,13
